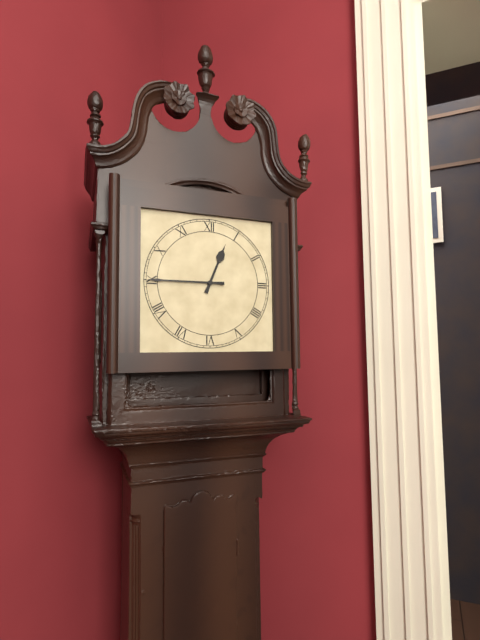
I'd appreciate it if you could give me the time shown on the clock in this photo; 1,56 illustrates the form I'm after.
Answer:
12,45
